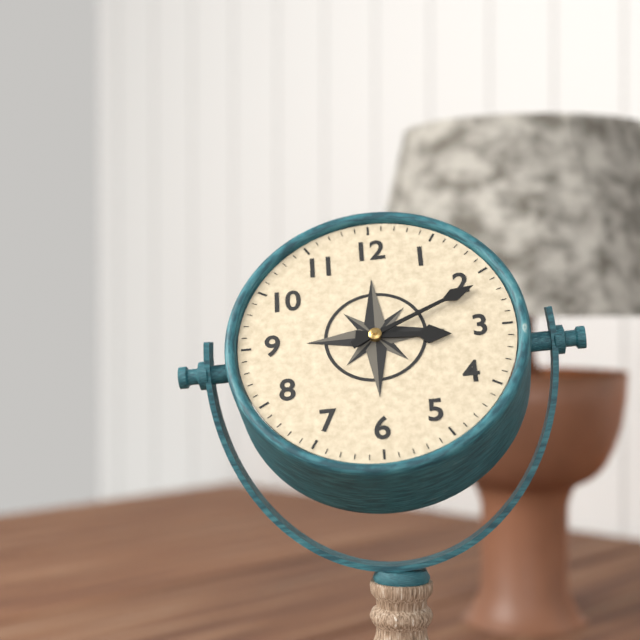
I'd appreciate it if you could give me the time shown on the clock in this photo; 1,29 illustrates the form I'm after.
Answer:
3,11
